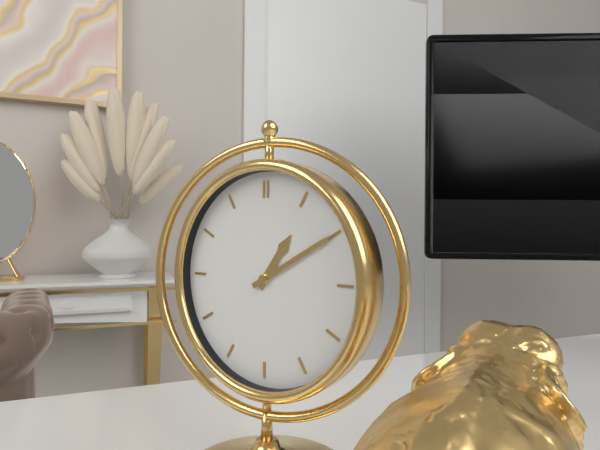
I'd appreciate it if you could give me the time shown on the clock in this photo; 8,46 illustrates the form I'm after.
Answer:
1,10
